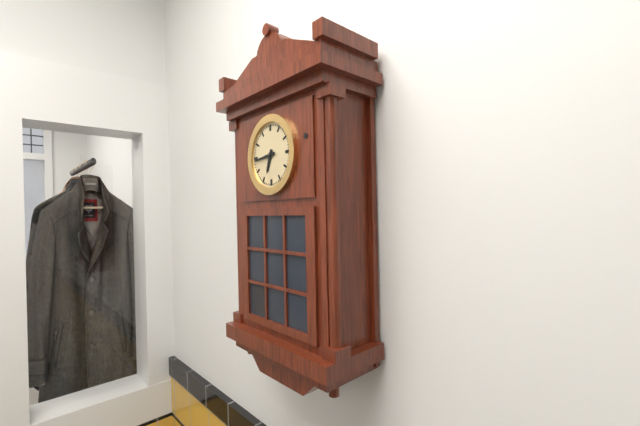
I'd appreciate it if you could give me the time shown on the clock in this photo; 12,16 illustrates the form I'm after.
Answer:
6,44
